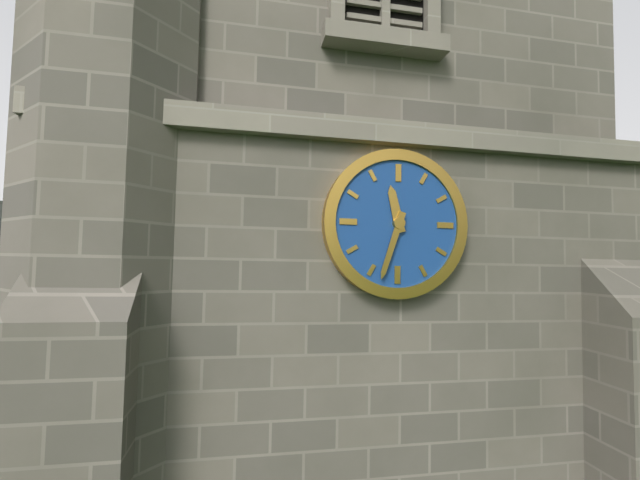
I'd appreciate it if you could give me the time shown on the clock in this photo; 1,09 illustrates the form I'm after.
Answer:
11,33
